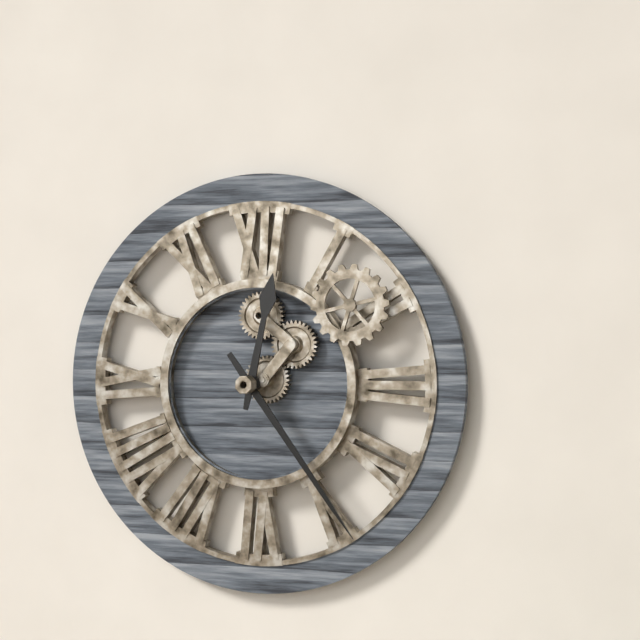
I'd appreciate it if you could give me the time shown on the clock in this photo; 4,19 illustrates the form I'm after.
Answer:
12,24
